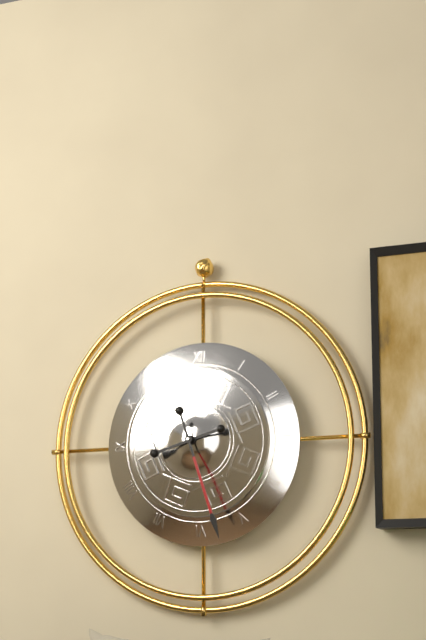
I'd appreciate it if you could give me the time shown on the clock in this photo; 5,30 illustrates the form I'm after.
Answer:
8,27
